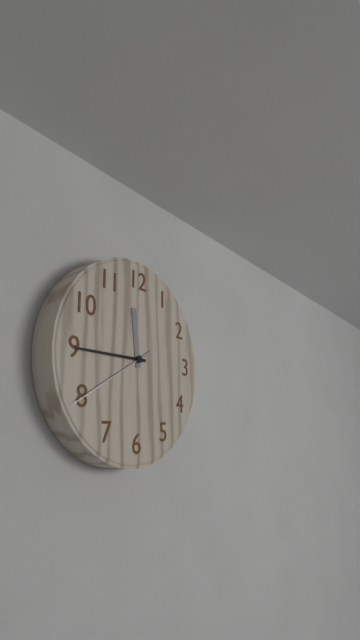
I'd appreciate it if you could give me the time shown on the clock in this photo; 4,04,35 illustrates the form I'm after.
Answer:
11,45,40
